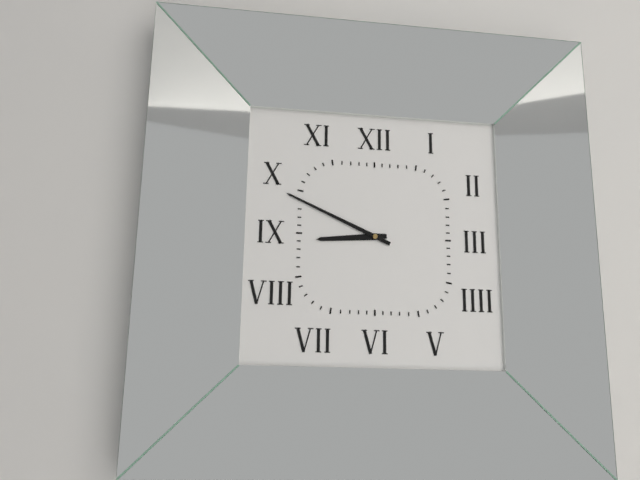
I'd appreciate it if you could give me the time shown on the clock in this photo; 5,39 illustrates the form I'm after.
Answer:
8,49
